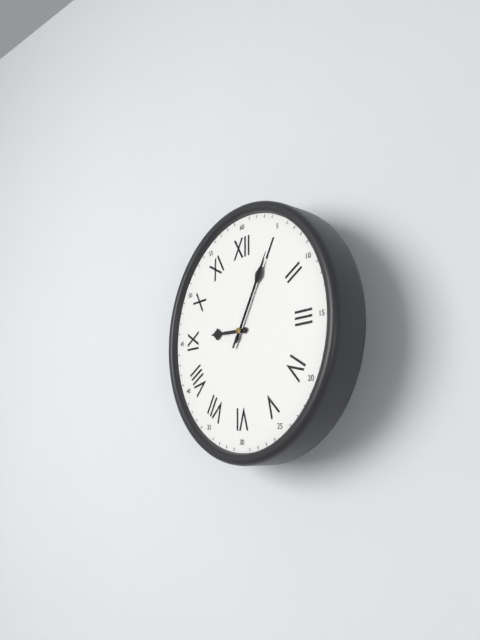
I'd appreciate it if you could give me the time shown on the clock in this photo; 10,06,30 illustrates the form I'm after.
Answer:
9,05,05
